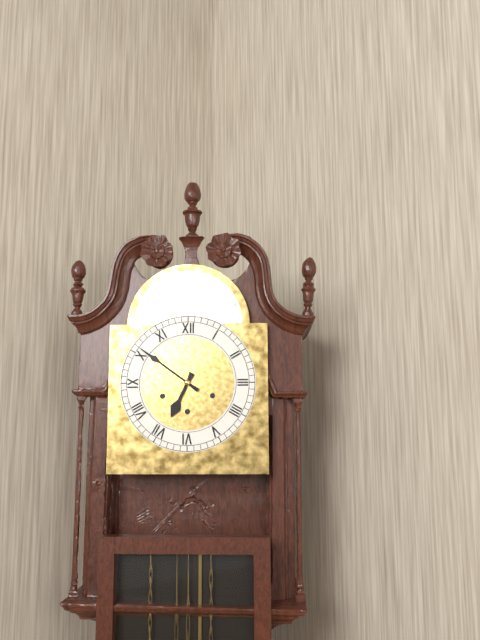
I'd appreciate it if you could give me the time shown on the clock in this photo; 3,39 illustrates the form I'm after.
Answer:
6,51
